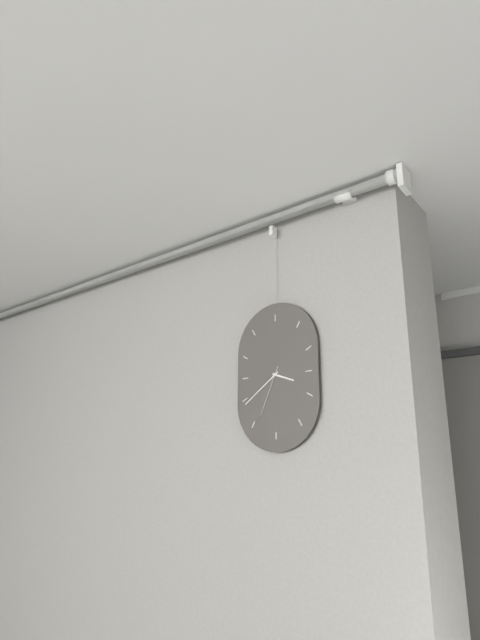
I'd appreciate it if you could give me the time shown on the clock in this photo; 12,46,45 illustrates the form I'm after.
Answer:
3,39,34
